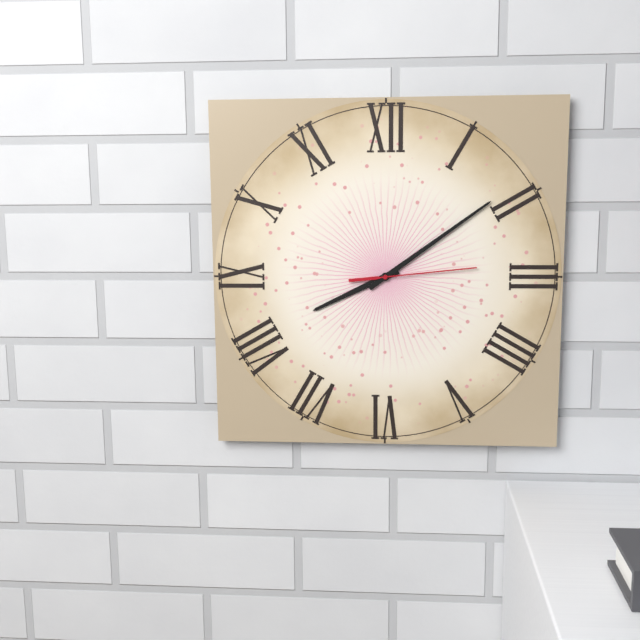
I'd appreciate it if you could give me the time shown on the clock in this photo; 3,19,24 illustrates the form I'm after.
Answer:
8,09,14
